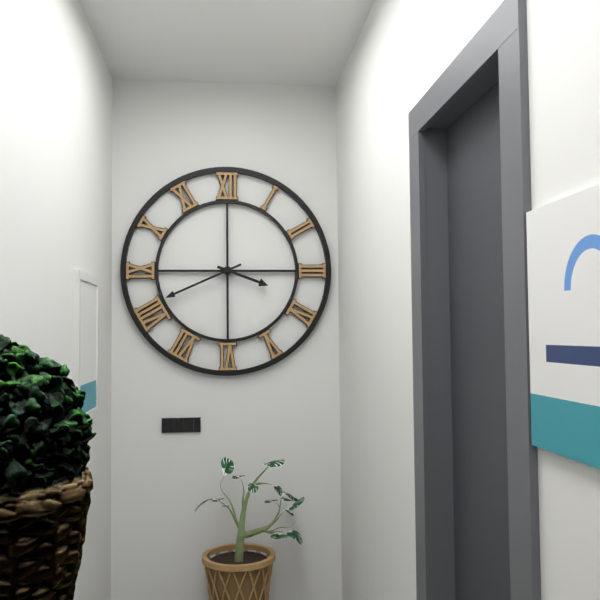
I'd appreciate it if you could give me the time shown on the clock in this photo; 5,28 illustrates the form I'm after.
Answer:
3,41
